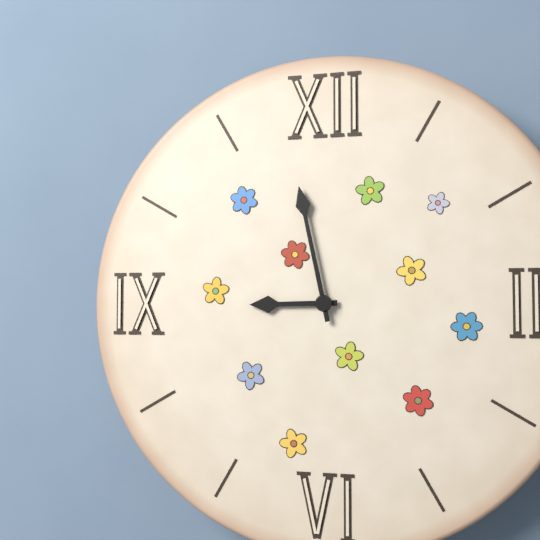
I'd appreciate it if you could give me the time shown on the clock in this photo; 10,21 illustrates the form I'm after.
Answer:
8,58
